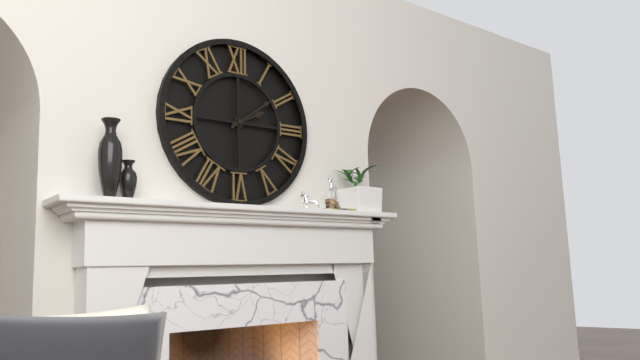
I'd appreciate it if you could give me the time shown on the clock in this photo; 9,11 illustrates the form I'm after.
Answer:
2,09
